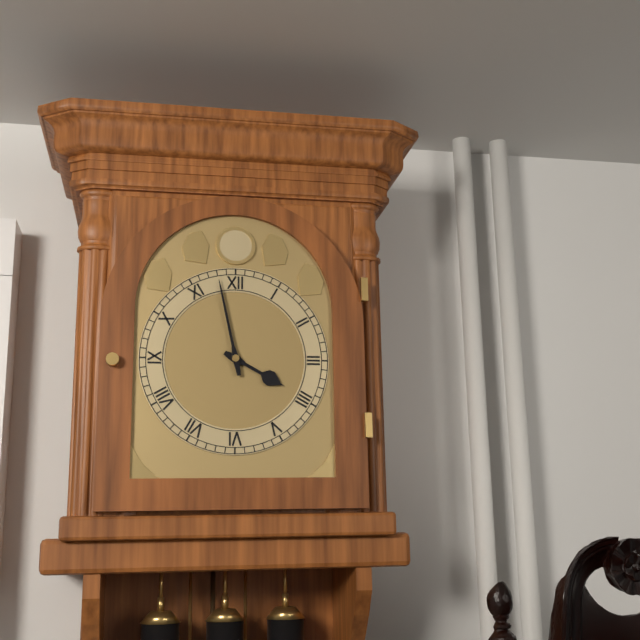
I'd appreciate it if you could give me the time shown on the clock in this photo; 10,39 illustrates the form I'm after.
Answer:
3,58
